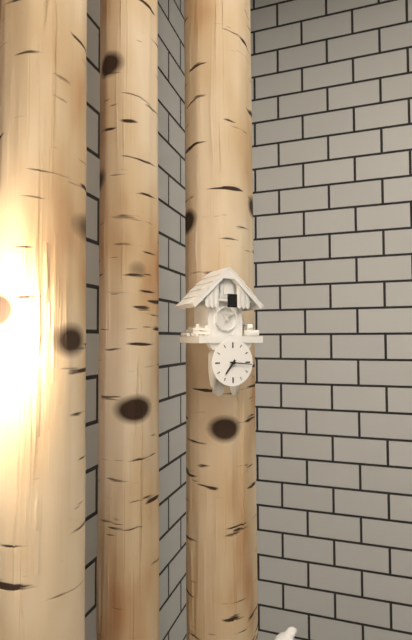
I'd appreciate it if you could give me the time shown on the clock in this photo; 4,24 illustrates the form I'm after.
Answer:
7,16
